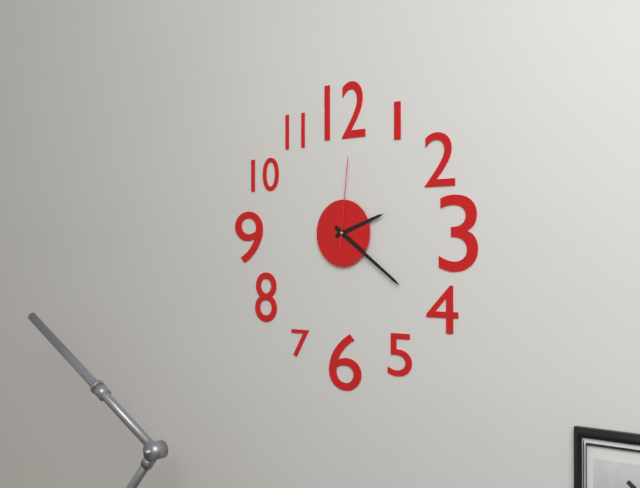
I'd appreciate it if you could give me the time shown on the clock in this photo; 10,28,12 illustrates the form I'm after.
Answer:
2,21,01
